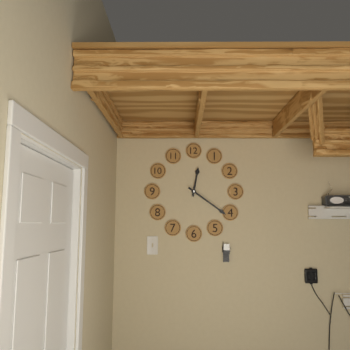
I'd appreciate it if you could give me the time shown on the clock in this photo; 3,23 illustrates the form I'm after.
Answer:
12,21
